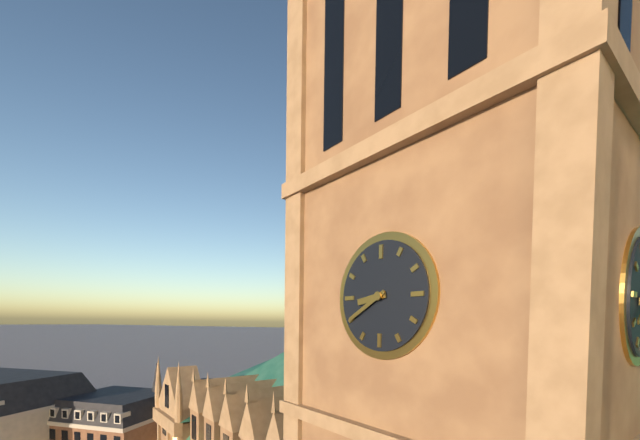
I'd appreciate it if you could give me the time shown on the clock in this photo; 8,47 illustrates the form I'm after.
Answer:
8,40
